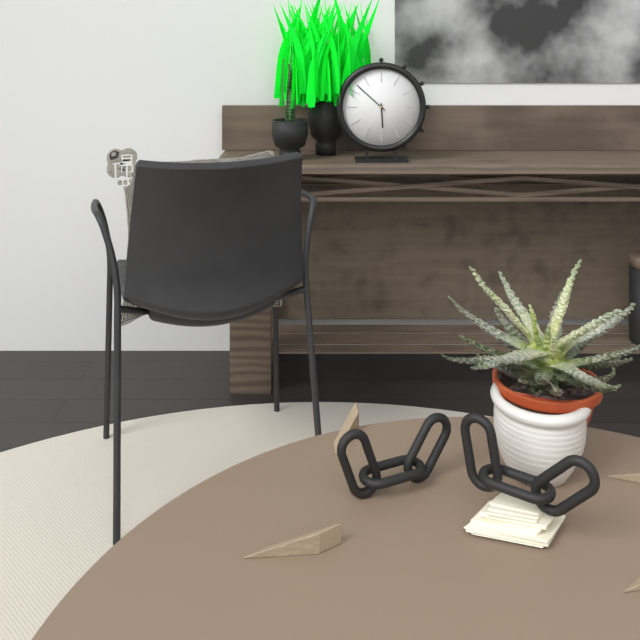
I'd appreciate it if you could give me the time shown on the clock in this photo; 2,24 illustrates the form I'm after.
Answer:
5,52
